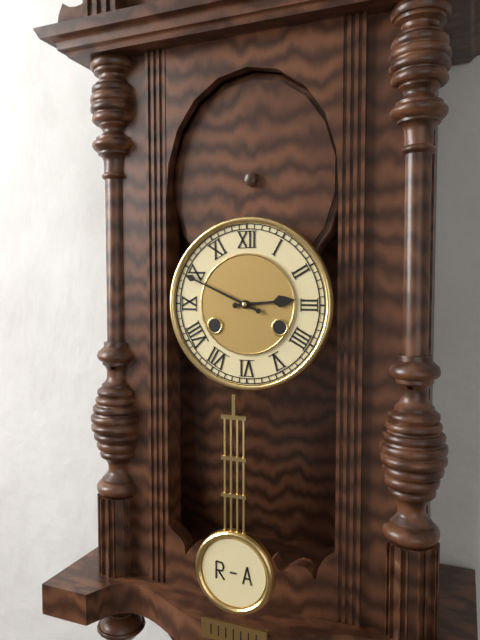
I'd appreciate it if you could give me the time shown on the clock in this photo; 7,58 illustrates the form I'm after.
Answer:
2,49
